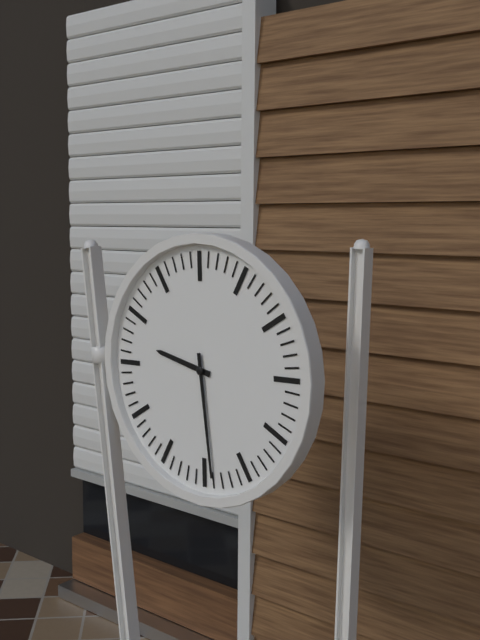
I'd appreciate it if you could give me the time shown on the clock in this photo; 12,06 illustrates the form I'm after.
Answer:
9,29
